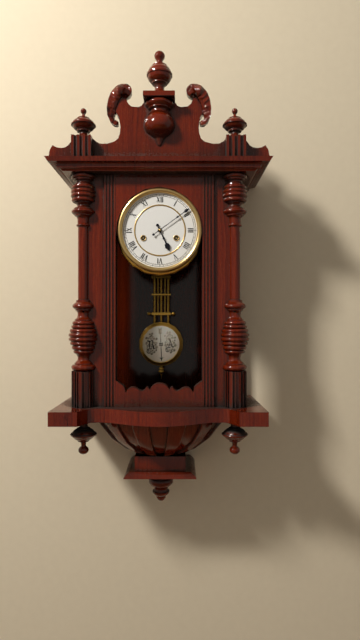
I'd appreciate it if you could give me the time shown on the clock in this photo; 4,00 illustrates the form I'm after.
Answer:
5,09
